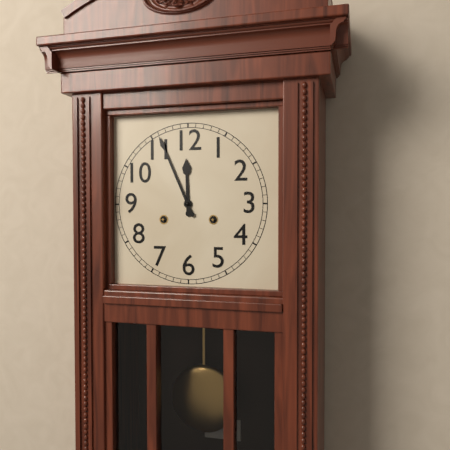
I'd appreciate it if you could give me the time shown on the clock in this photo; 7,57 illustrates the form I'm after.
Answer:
11,56
